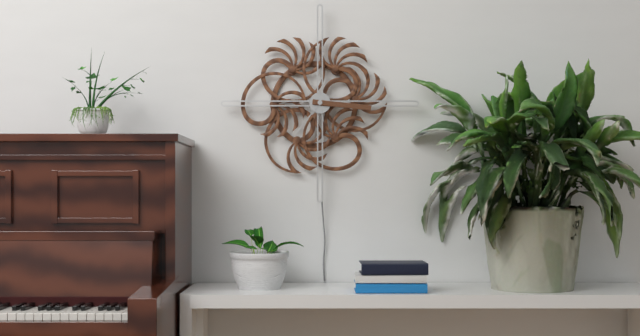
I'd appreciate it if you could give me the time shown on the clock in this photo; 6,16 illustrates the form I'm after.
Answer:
7,16
